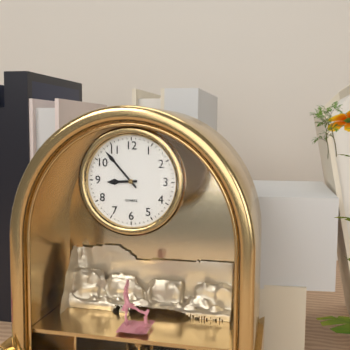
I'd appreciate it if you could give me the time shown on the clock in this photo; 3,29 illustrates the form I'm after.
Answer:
8,53
